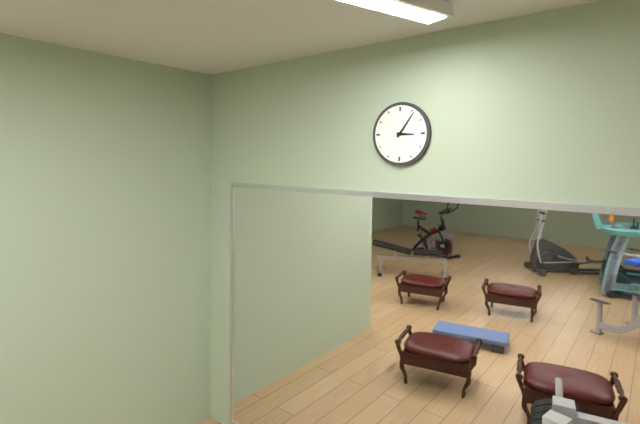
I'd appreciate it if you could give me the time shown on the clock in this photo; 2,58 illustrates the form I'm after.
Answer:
3,06
